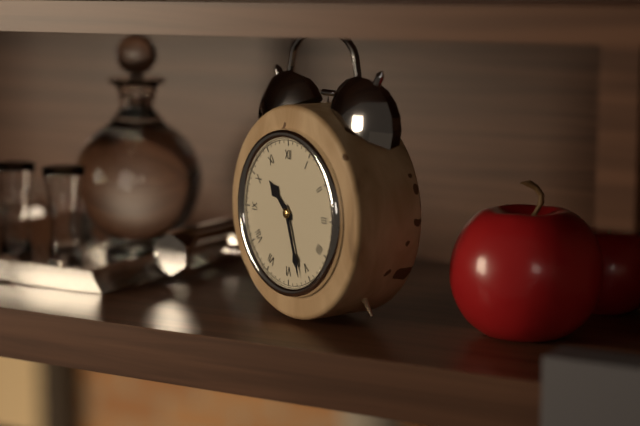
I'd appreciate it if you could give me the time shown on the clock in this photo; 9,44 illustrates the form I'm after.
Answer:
10,27
